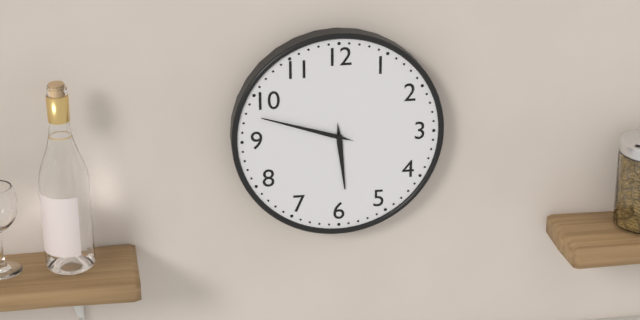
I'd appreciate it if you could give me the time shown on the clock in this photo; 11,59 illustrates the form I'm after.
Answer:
5,48
